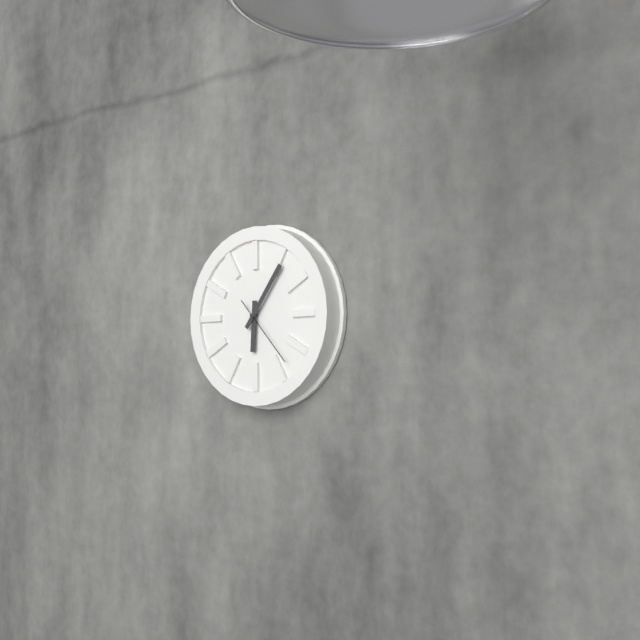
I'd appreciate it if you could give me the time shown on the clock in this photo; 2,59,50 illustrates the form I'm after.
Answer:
6,06,23
